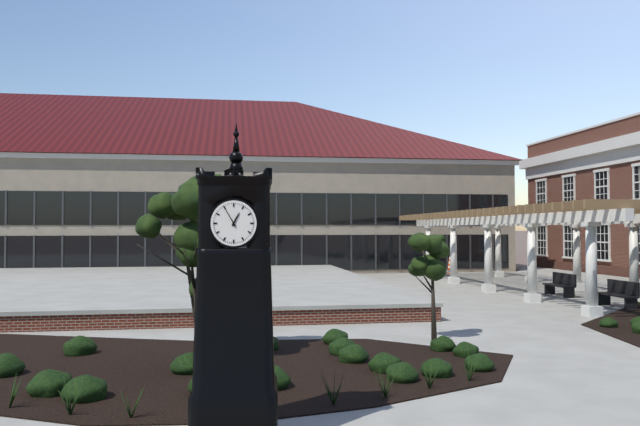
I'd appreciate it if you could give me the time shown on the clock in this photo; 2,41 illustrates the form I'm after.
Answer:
12,55
